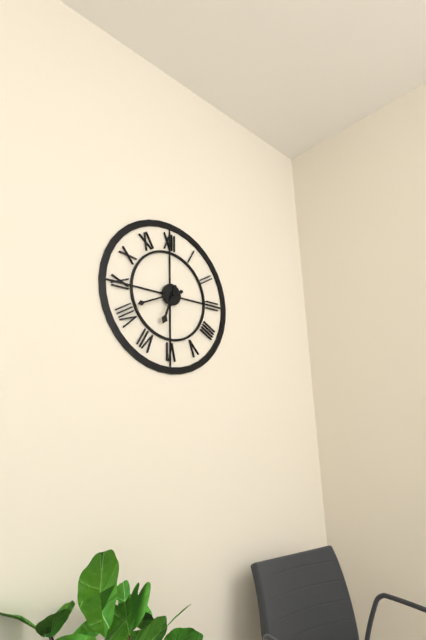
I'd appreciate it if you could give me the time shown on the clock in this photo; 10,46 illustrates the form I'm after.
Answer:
6,41
